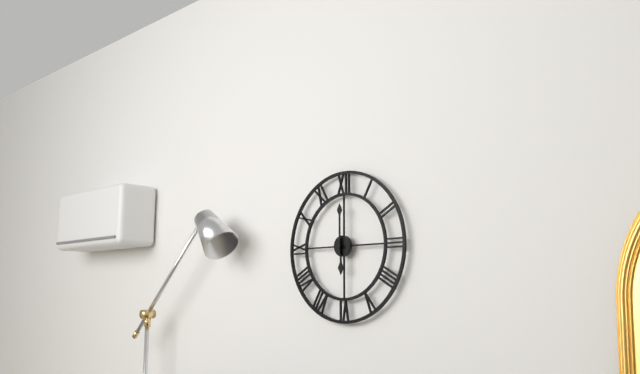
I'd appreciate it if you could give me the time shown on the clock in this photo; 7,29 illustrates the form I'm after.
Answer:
6,00
